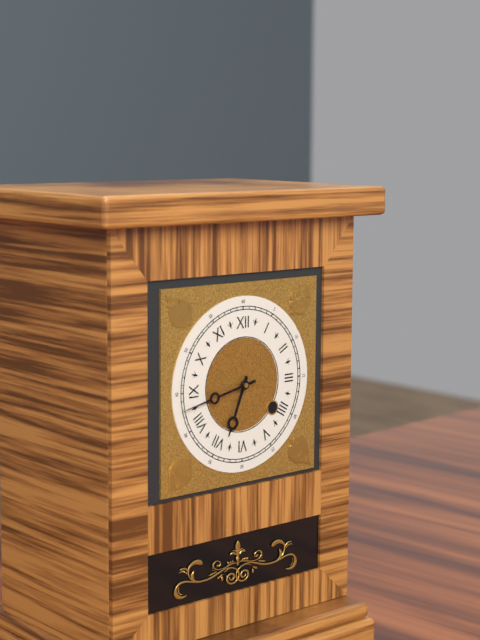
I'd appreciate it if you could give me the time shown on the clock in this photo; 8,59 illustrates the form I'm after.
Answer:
6,43
